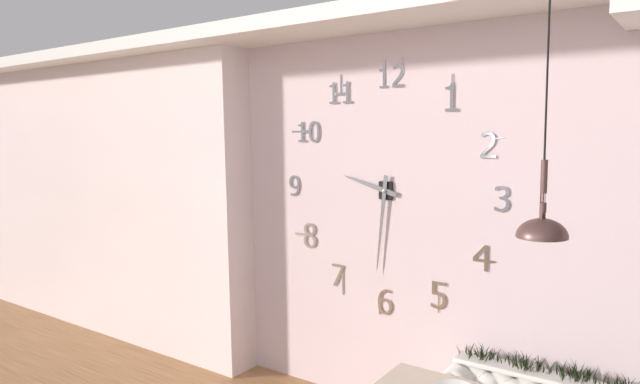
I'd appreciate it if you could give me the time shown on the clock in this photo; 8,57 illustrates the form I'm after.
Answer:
9,31
